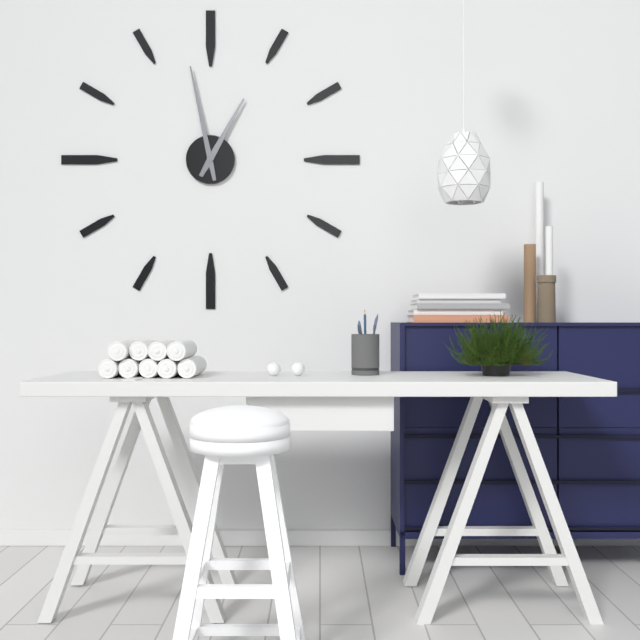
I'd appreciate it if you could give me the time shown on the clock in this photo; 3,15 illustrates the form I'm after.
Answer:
12,58
